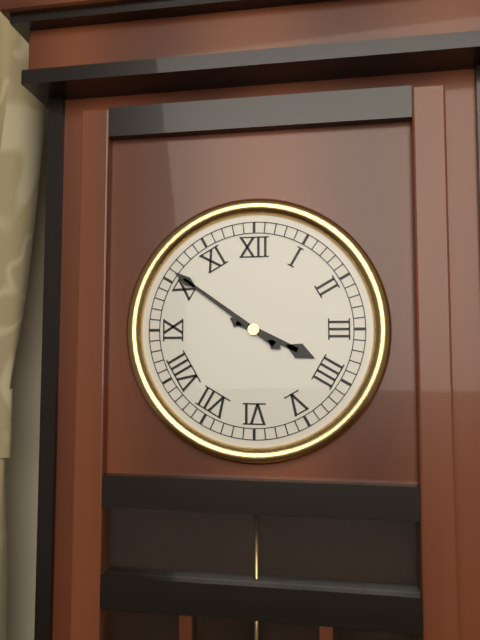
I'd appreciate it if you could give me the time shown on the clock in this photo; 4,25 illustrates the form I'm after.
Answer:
3,51
